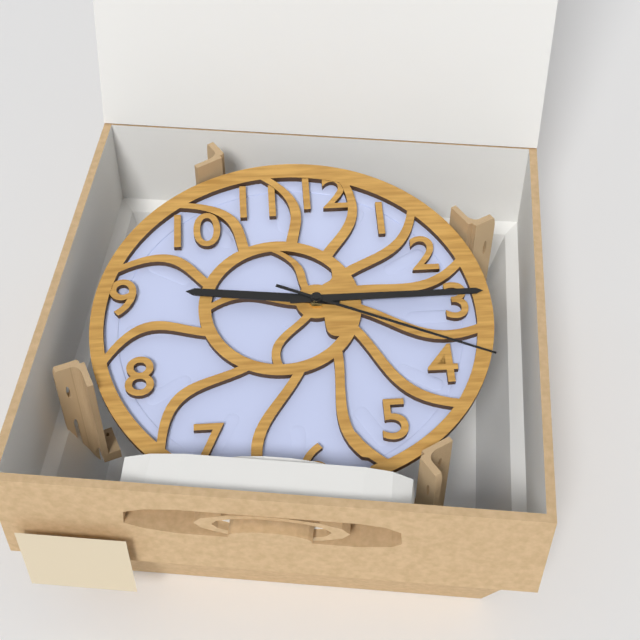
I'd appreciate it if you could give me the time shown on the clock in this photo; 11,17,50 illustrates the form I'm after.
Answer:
9,15,19
